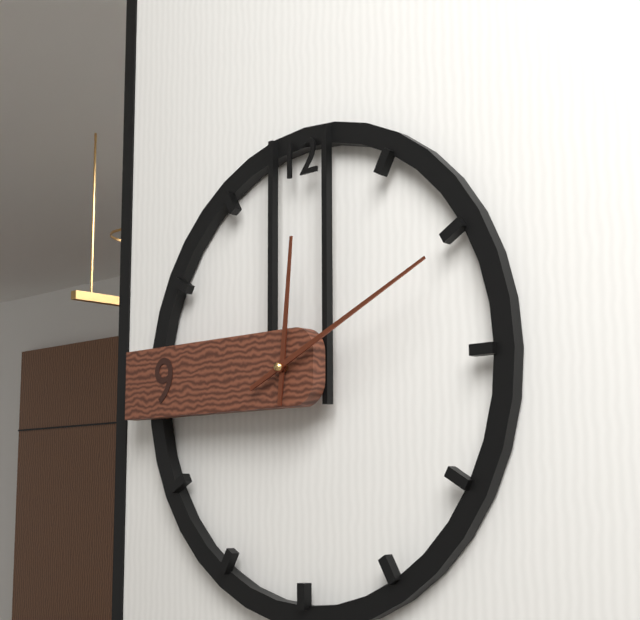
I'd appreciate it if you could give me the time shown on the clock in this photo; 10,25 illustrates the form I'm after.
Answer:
12,11
